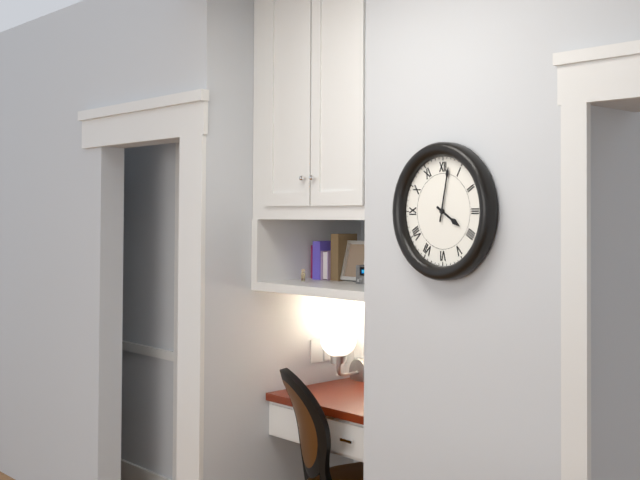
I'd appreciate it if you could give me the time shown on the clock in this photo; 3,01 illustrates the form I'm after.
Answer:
4,02
